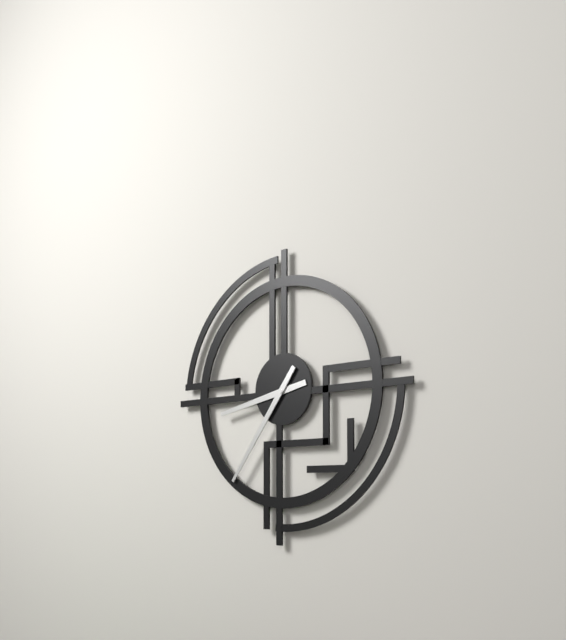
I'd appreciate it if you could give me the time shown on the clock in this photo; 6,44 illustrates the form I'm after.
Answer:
8,36
